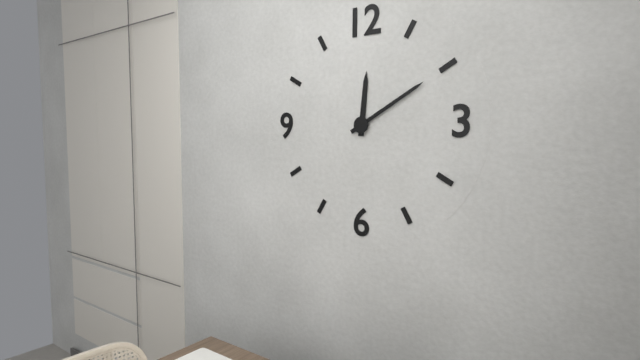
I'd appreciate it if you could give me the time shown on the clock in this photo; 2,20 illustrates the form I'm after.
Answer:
12,10
